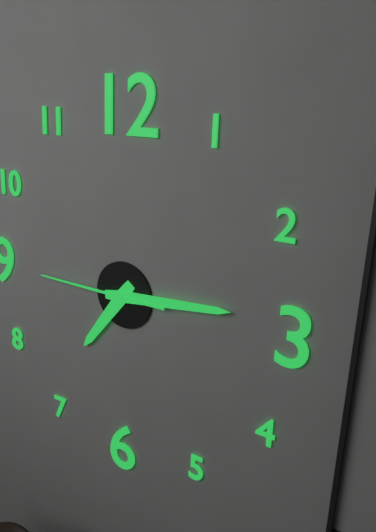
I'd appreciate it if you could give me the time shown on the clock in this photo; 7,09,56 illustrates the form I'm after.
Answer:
7,14,45
